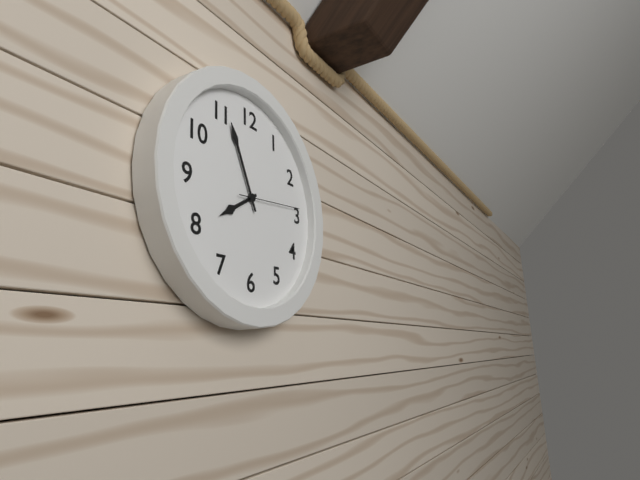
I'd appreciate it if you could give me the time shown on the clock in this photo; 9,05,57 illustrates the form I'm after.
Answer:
7,56,14
